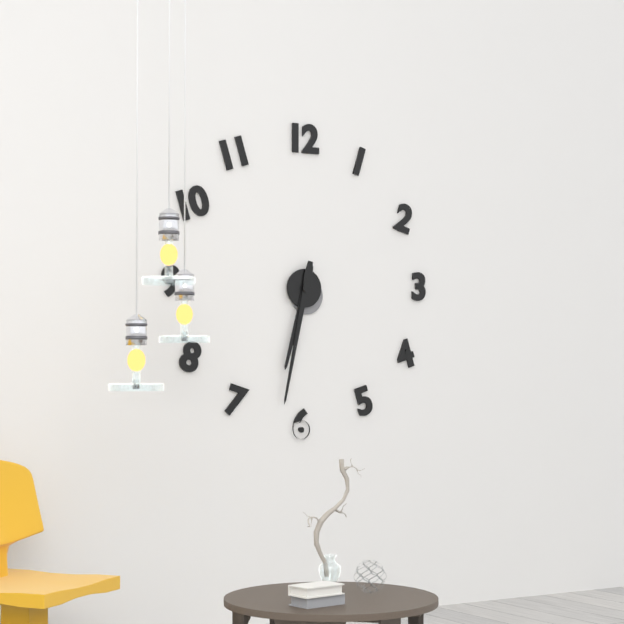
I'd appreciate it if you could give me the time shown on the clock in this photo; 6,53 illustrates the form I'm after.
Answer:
6,32
